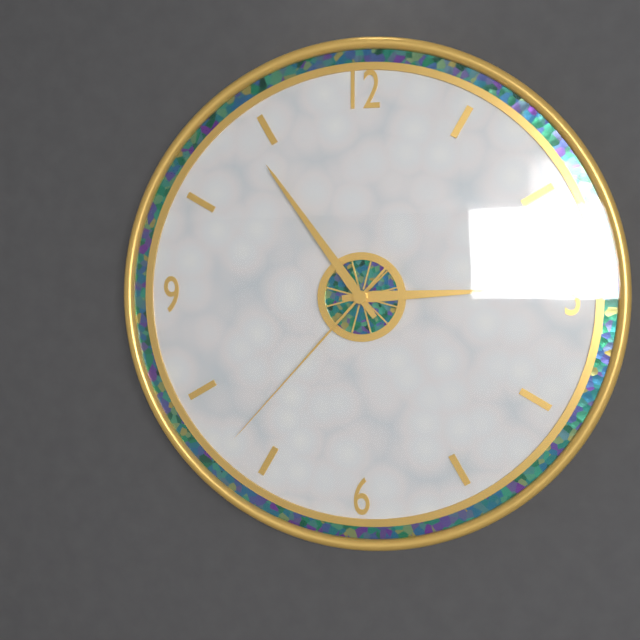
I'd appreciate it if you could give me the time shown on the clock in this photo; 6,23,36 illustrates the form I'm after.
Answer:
2,54,37
